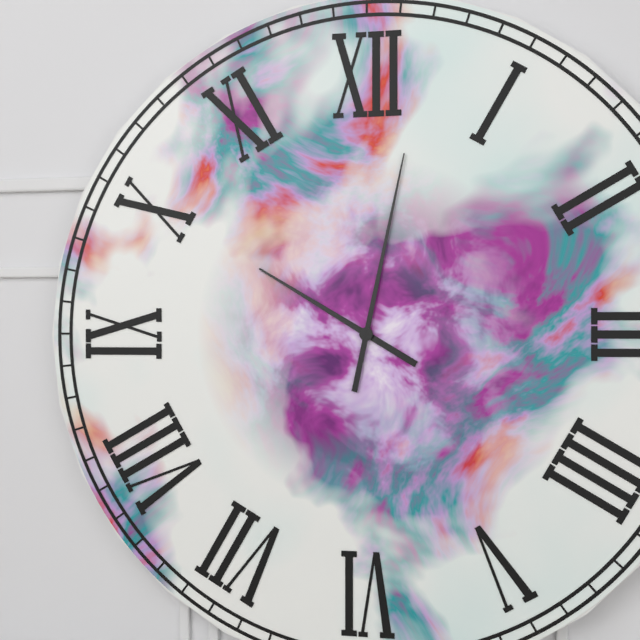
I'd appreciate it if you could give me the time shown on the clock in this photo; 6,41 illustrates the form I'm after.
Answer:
10,02
